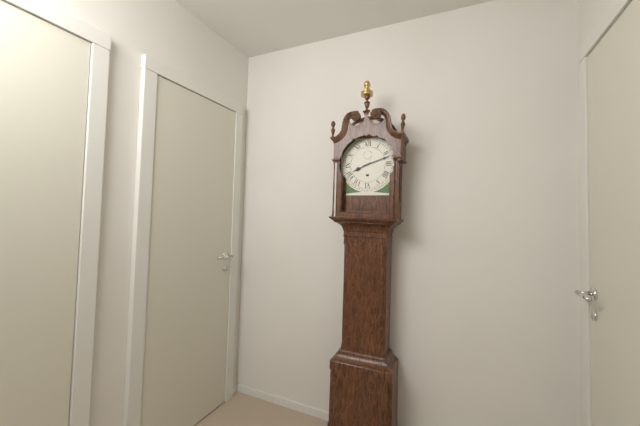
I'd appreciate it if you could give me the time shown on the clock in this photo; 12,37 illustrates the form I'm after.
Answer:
8,12
